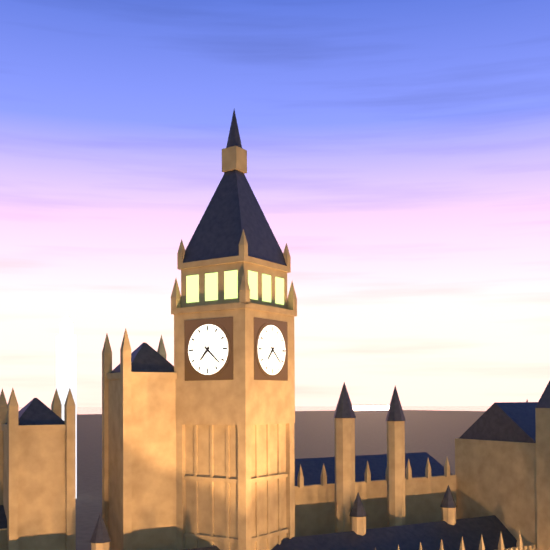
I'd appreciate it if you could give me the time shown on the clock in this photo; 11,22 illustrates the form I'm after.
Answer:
7,22
